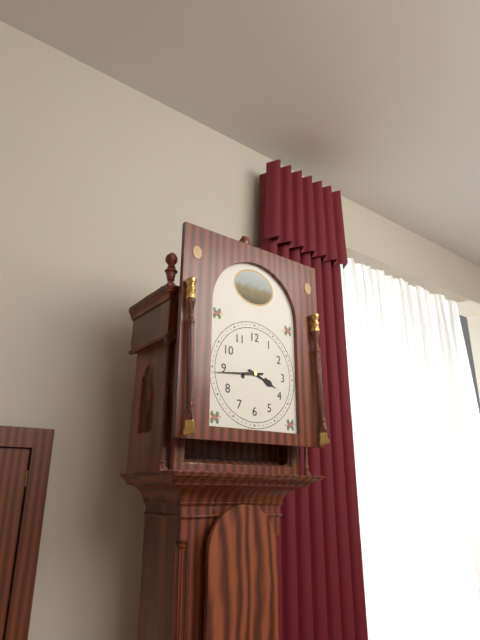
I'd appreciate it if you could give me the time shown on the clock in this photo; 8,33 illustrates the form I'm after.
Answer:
3,44
